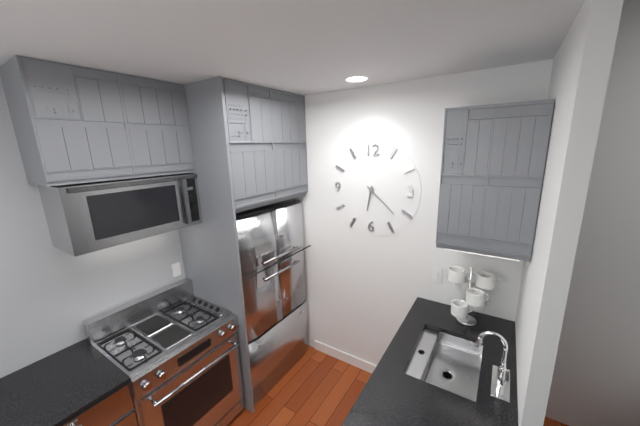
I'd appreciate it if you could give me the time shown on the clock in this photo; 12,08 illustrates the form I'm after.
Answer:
6,22
